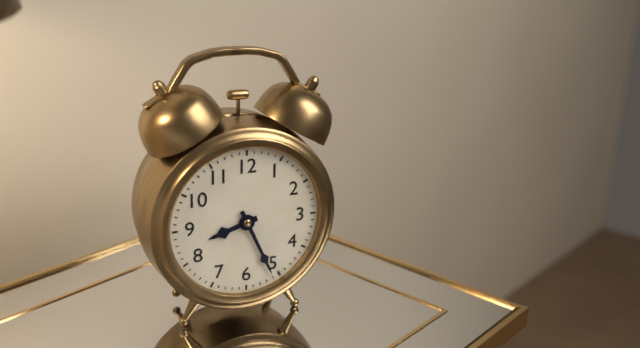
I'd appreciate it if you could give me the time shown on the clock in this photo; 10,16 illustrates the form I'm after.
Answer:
8,26
